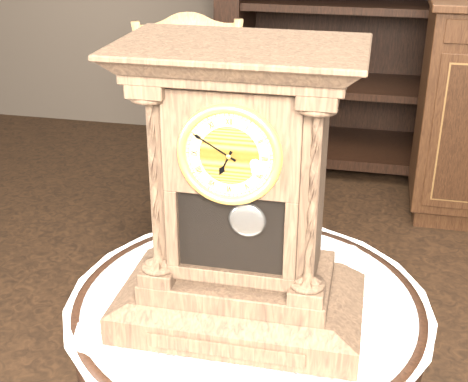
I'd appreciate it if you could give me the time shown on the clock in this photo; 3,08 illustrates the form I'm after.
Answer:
6,50
